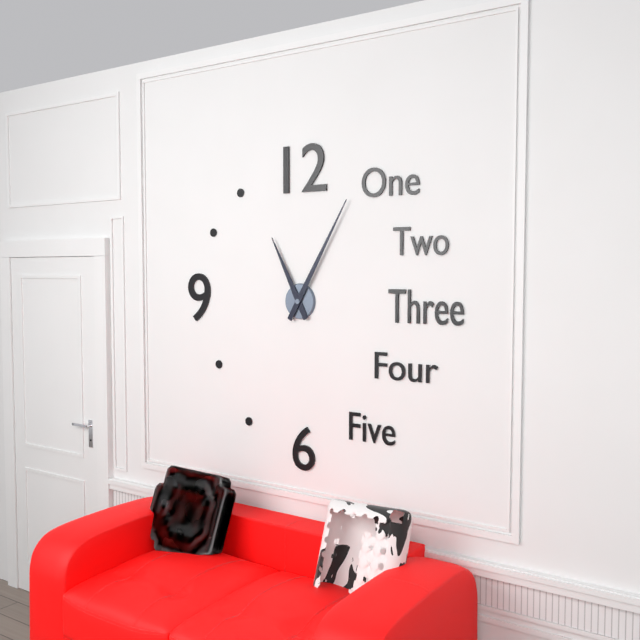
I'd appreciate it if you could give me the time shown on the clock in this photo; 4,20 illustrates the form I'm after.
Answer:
11,05
